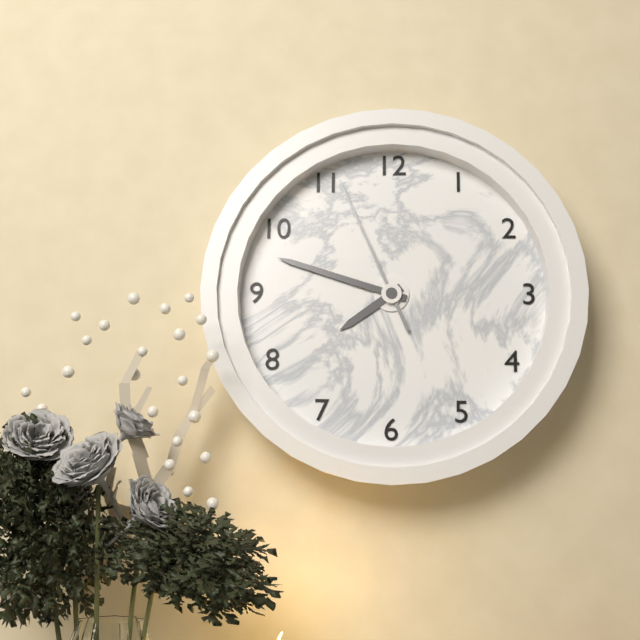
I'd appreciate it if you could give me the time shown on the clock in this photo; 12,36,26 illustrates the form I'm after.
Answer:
7,48,56
